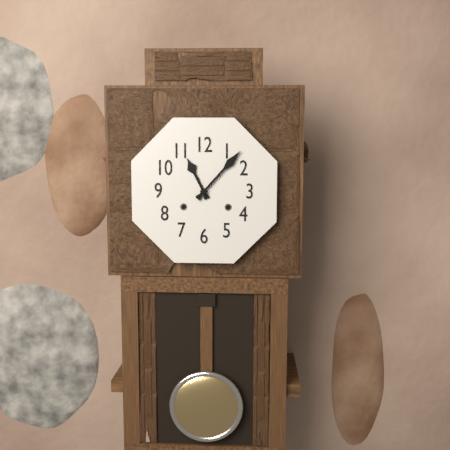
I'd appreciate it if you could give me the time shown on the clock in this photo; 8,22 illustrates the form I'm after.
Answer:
11,07
